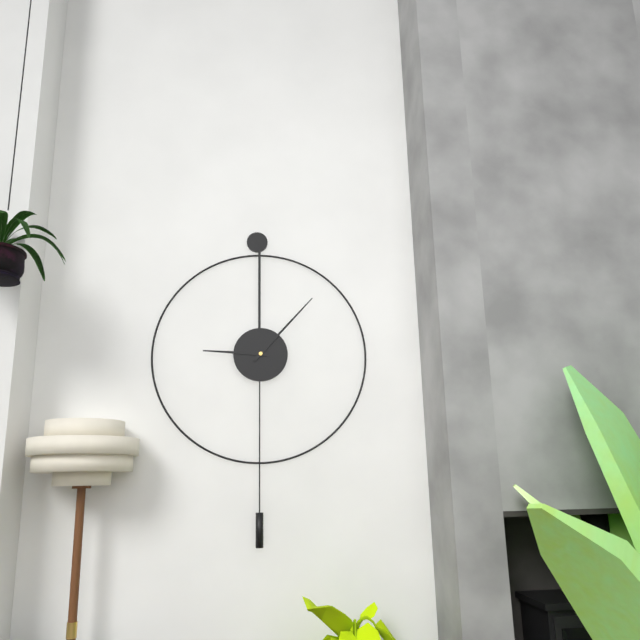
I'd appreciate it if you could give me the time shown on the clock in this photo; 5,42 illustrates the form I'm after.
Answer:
9,07
